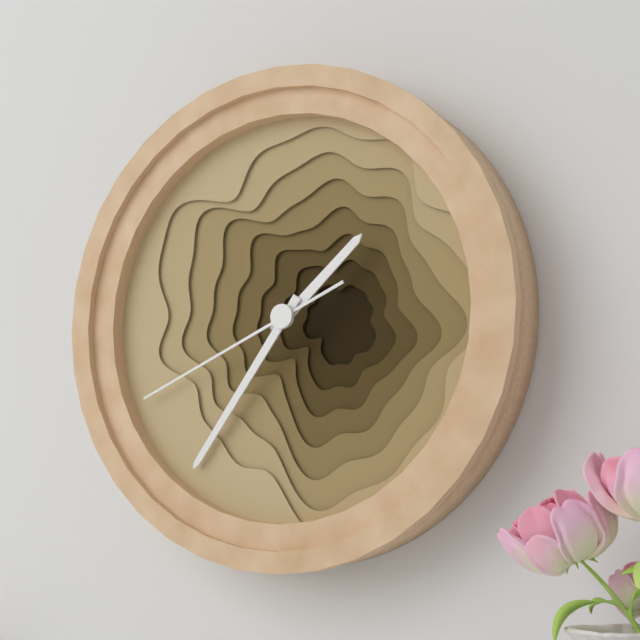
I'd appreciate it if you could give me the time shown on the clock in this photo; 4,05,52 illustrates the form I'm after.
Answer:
1,36,41
